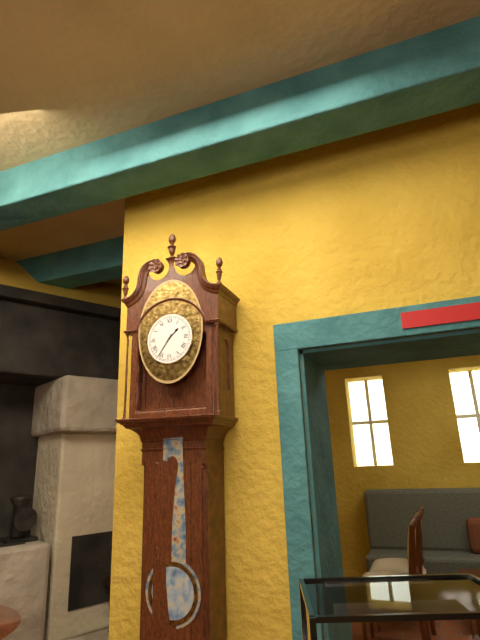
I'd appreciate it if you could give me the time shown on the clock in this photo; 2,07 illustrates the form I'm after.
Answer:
1,36
